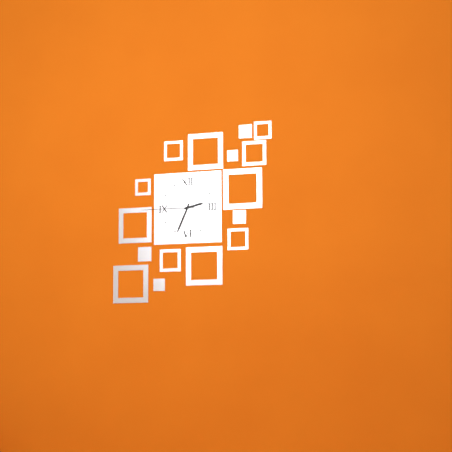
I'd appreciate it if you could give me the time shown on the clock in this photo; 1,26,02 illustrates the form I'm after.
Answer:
2,34,45
